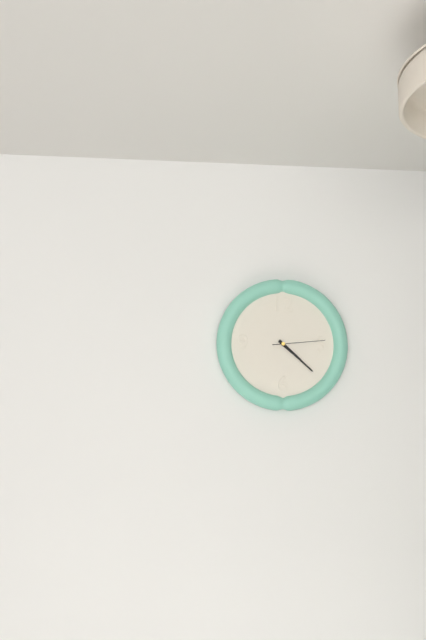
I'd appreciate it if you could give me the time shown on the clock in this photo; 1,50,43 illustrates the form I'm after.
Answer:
4,22,14
